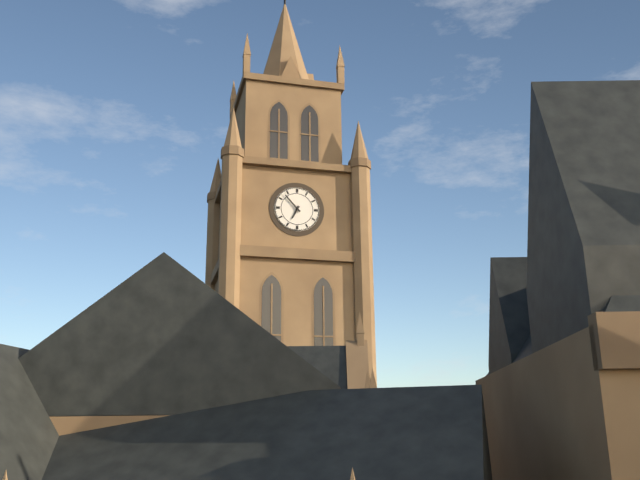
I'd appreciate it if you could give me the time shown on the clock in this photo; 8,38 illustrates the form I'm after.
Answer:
6,53
